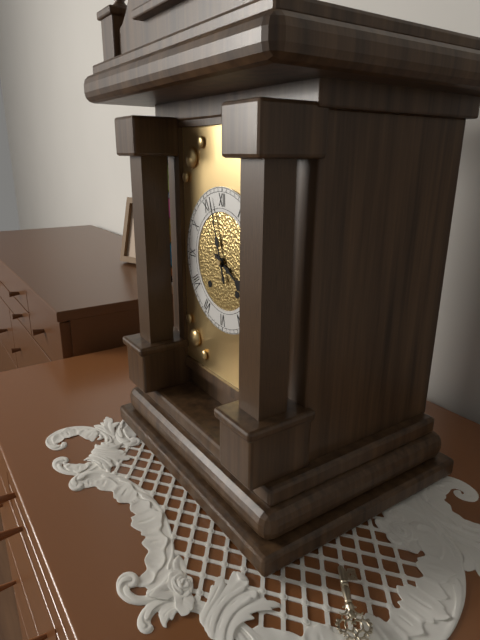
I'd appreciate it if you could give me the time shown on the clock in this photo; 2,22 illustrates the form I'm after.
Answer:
3,57
